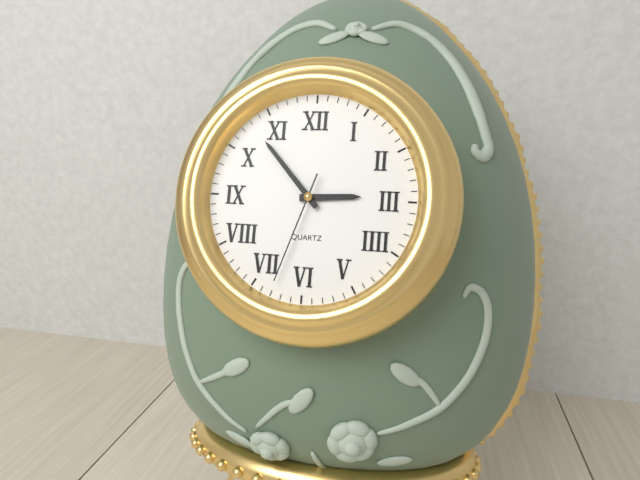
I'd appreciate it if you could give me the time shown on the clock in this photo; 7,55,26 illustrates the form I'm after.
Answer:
2,53,33
